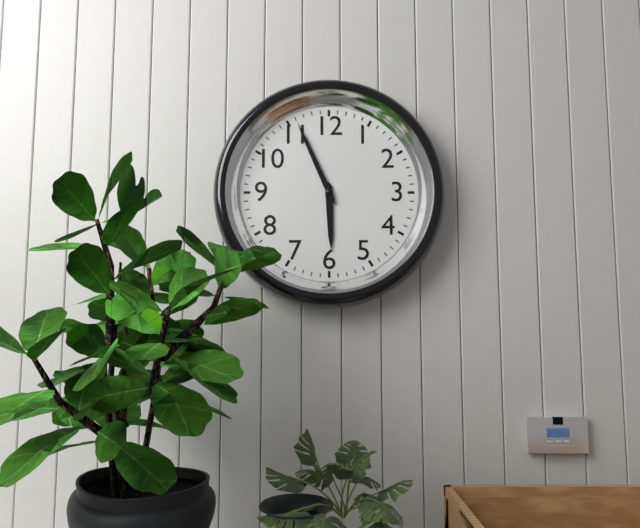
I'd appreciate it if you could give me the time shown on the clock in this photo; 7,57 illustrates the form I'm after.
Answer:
5,56
